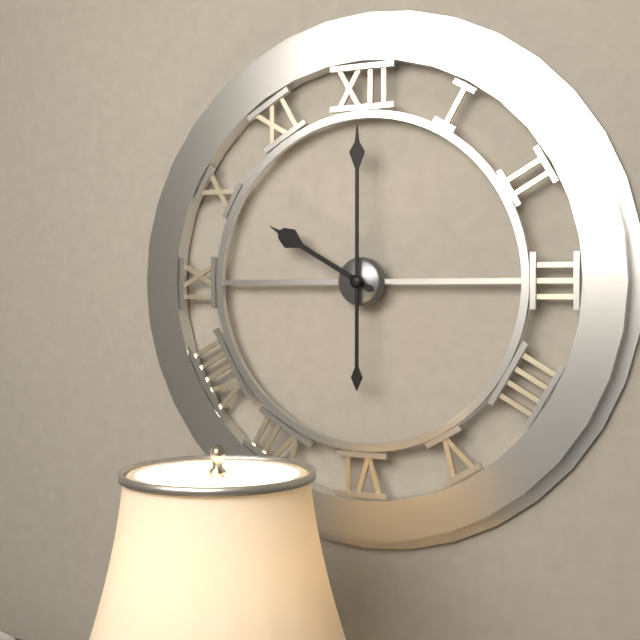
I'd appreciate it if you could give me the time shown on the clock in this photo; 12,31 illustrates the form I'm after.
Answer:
10,00
